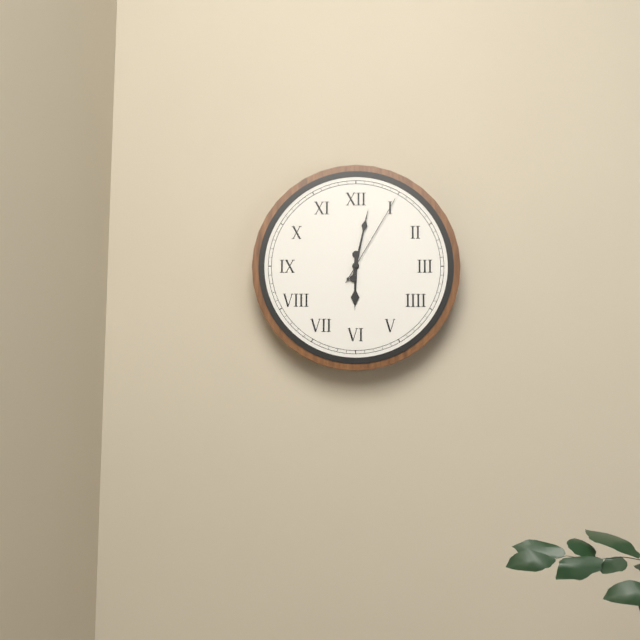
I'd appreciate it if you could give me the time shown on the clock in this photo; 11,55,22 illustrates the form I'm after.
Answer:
6,02,05
